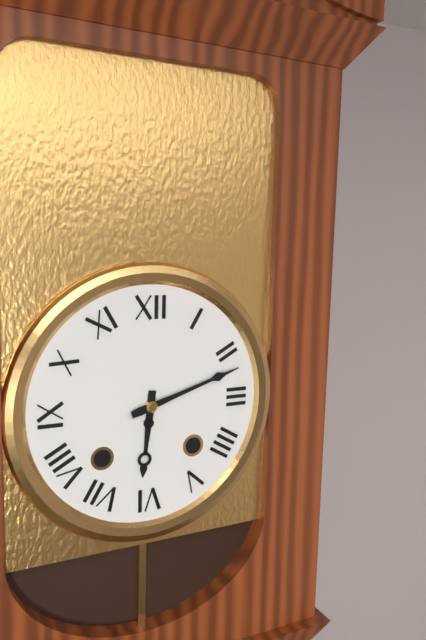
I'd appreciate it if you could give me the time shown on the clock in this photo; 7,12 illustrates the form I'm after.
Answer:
6,12
